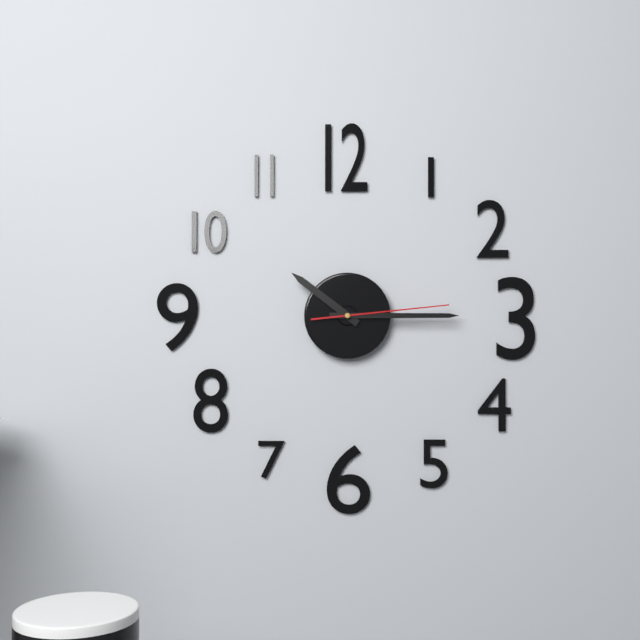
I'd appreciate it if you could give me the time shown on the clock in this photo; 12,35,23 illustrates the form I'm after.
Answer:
10,15,14
